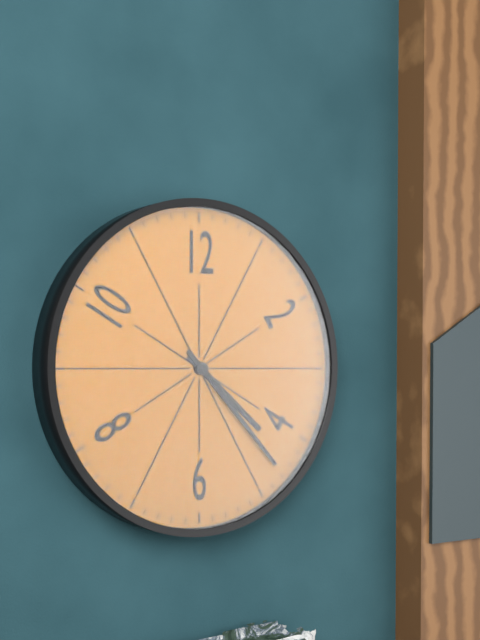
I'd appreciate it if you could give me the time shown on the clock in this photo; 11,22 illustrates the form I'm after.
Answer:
4,23
